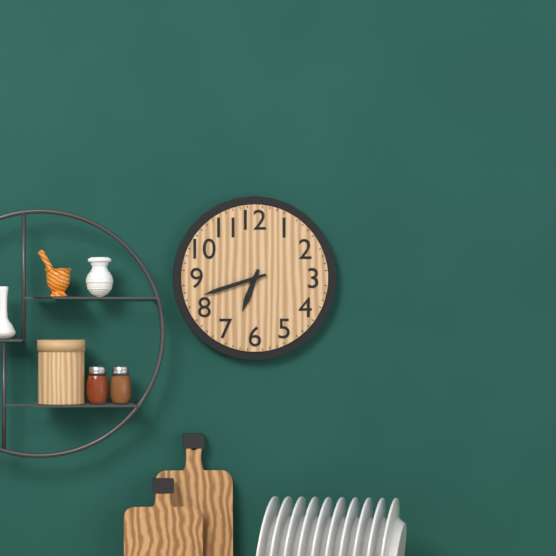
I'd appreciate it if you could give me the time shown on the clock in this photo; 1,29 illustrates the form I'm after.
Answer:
6,42
